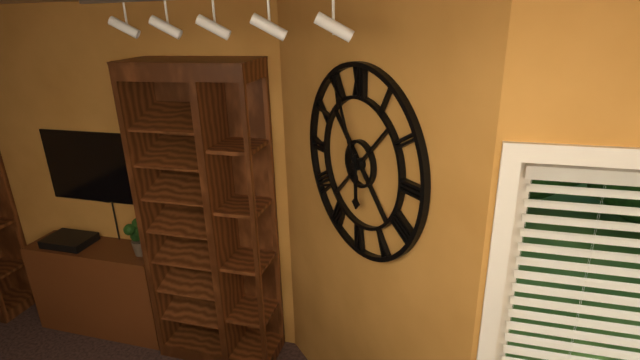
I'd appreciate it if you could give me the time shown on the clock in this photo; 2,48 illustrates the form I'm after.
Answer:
5,56
